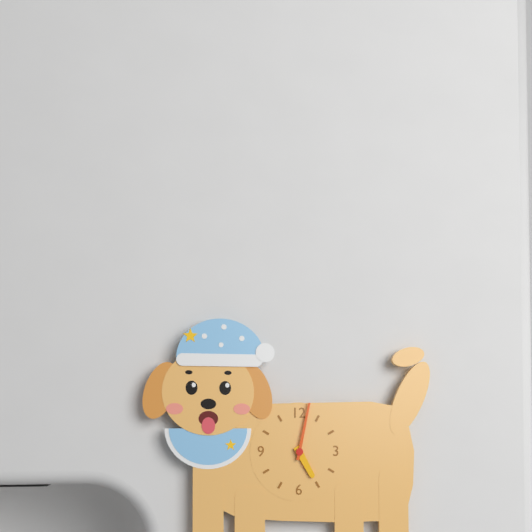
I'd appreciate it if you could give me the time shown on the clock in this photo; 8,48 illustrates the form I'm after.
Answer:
5,02
